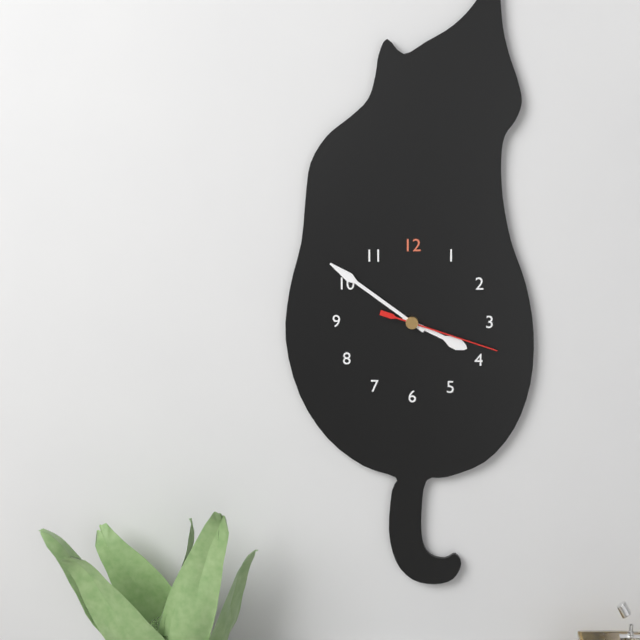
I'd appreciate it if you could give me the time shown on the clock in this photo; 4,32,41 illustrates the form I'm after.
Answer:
3,51,18
